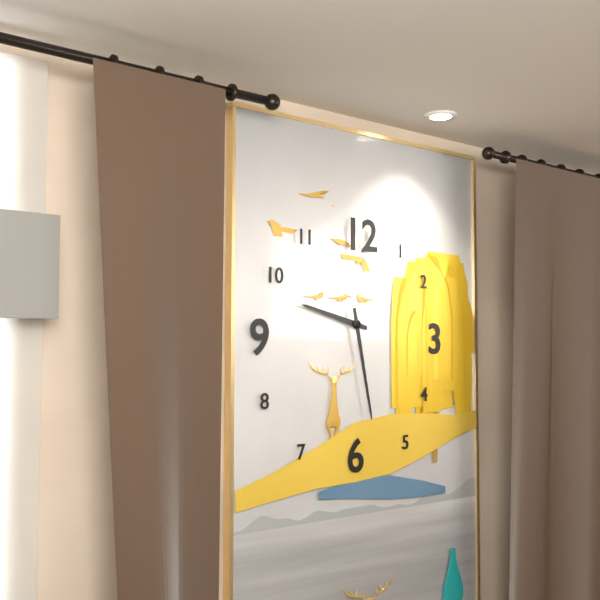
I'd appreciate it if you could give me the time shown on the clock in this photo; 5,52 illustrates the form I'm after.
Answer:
9,28
